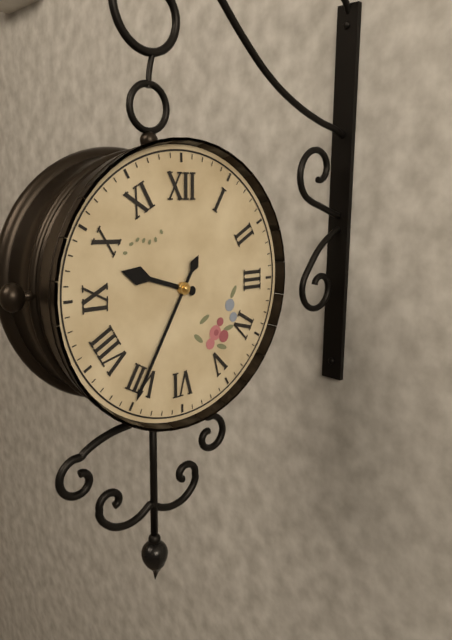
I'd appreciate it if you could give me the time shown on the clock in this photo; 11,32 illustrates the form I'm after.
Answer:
9,35
